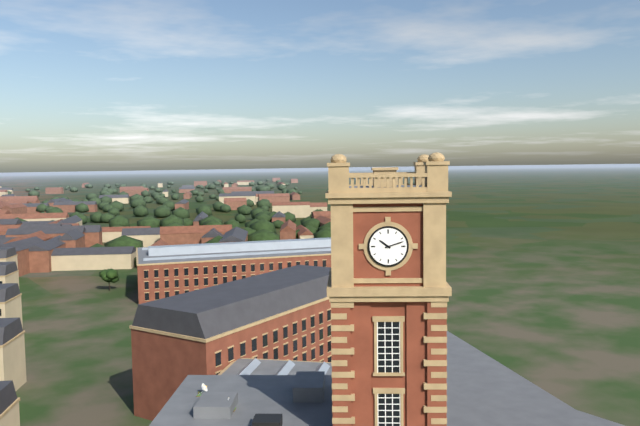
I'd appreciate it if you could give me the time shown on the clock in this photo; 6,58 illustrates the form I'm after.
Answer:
10,12
